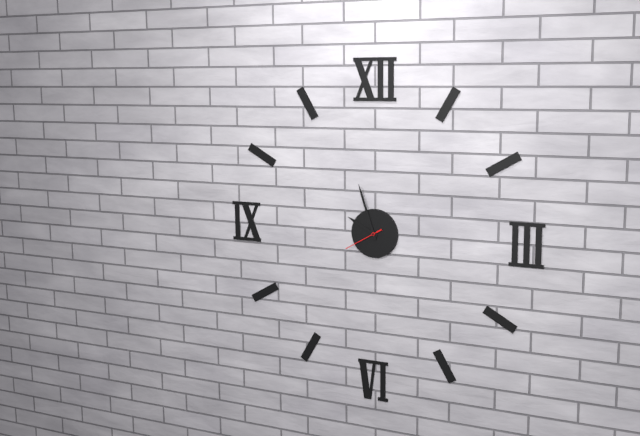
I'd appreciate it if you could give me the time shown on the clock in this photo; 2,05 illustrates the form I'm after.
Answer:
9,57
